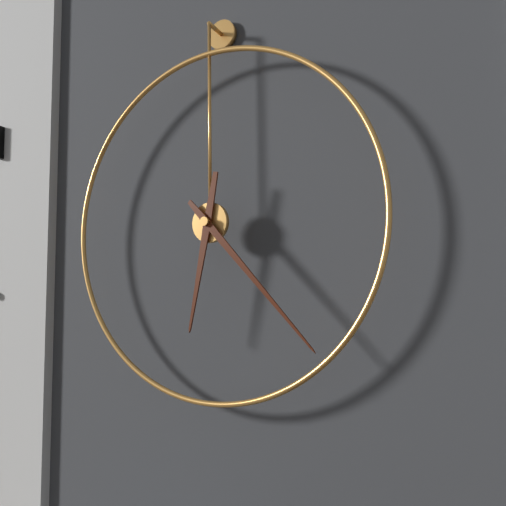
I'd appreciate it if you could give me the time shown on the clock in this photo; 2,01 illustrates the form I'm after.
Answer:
6,23
